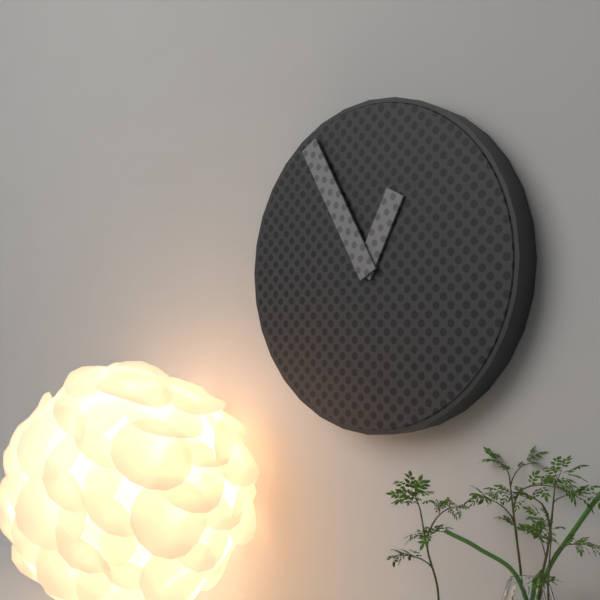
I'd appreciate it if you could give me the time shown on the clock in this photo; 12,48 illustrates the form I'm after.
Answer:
12,55
